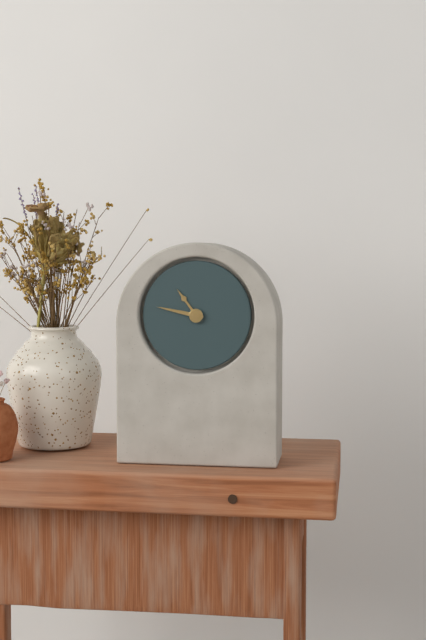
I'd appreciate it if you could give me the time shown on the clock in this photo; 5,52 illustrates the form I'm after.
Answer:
10,47
